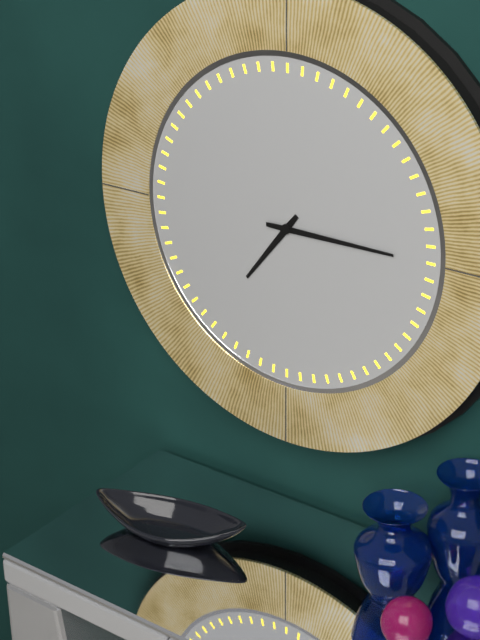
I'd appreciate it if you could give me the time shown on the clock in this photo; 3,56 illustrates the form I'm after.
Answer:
7,15
